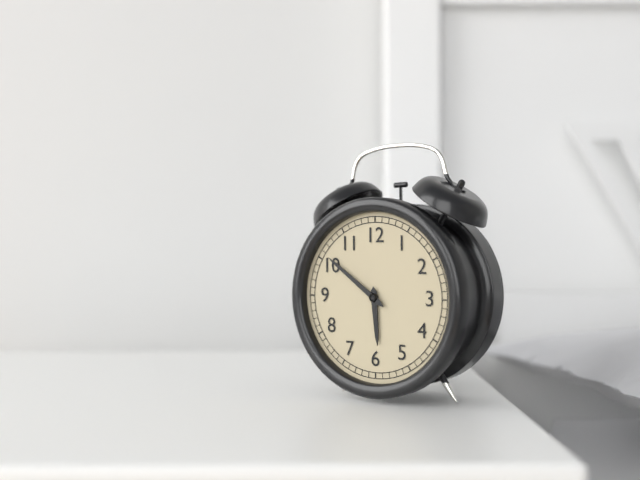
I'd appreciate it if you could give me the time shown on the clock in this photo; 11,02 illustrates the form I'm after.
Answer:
5,51
